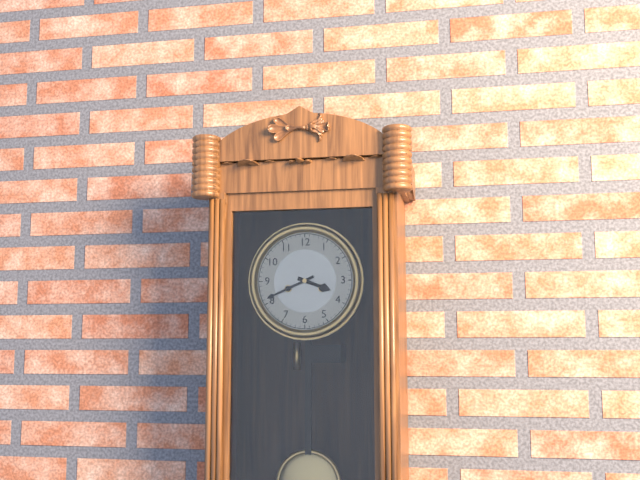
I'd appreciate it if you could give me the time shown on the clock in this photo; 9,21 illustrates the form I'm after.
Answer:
3,41
